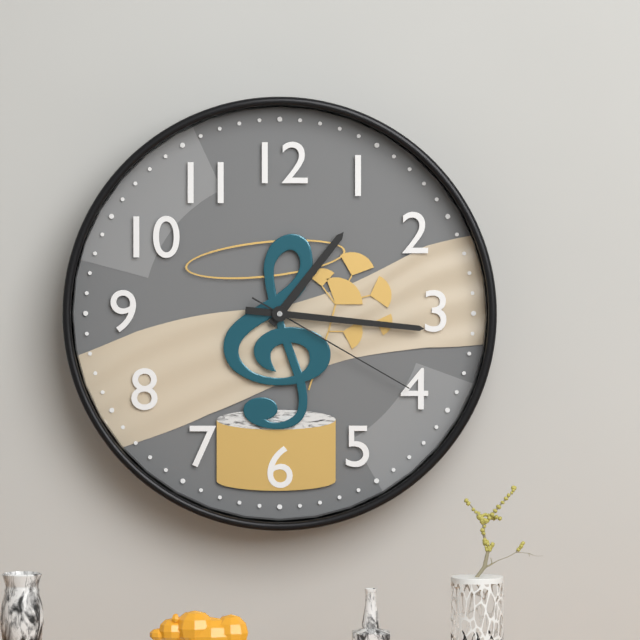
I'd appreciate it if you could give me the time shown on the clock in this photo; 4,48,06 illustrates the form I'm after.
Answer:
1,16,20
